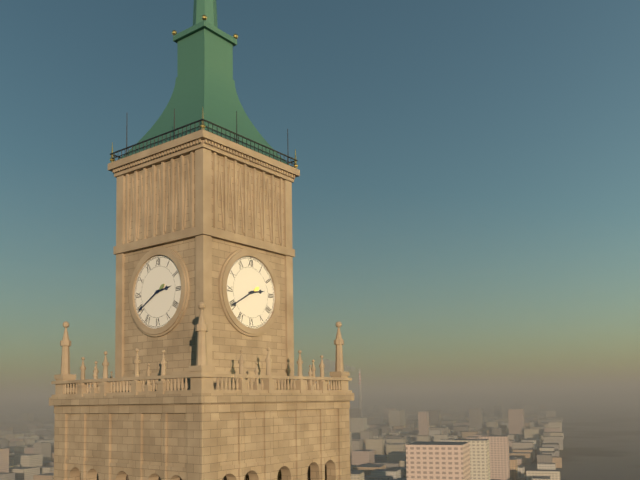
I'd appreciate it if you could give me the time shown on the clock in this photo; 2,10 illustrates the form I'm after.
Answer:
2,40
